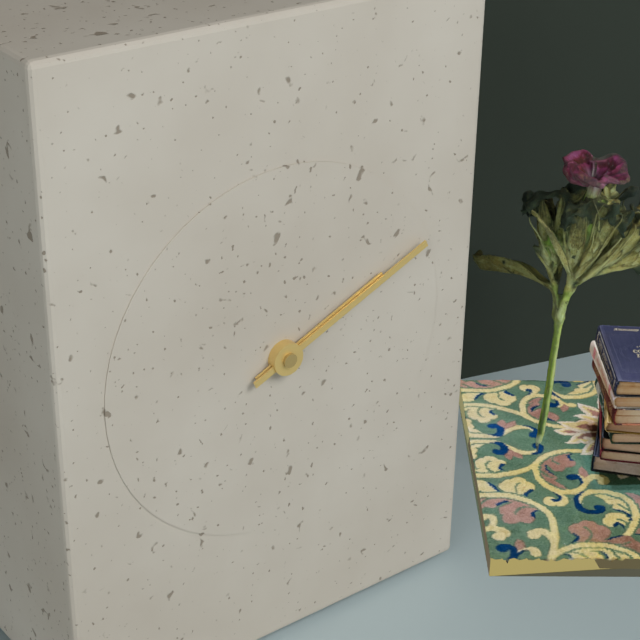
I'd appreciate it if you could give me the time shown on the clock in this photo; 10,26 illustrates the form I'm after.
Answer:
2,11
